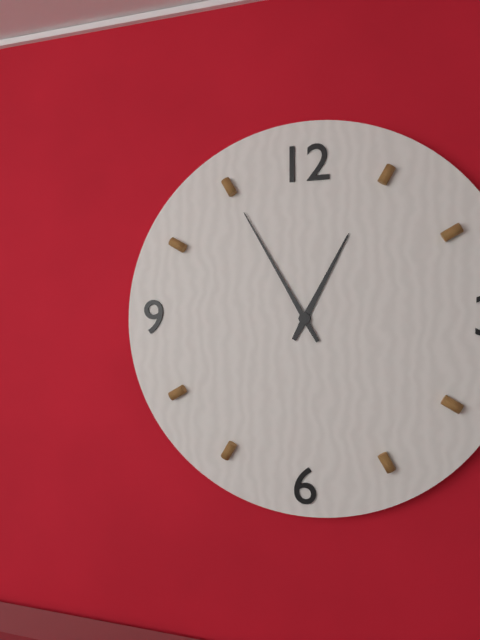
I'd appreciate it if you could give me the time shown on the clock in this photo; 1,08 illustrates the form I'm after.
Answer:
12,55
